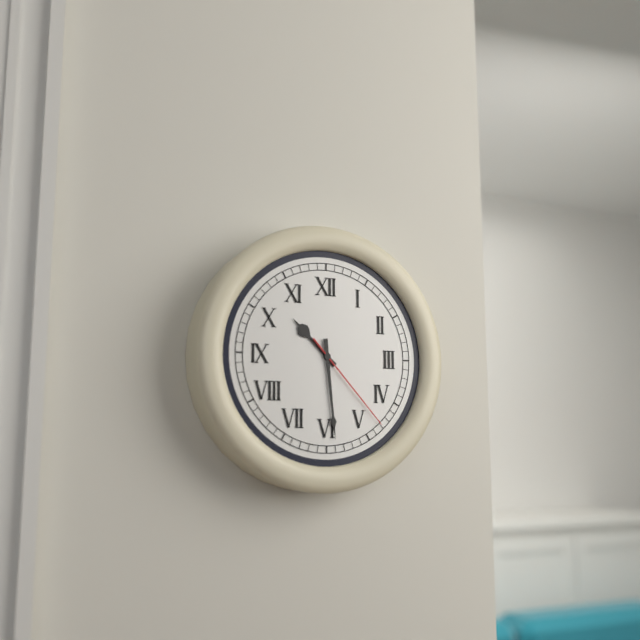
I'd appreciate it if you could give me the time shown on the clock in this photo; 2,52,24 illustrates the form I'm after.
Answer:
10,29,23
